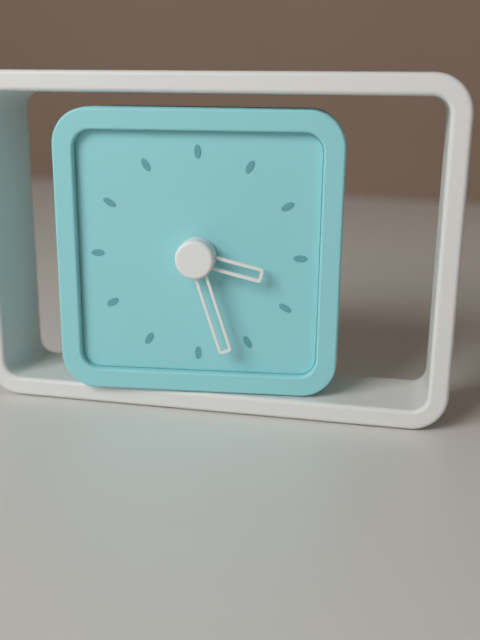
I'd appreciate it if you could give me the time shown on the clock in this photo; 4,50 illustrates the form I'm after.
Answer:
3,27
